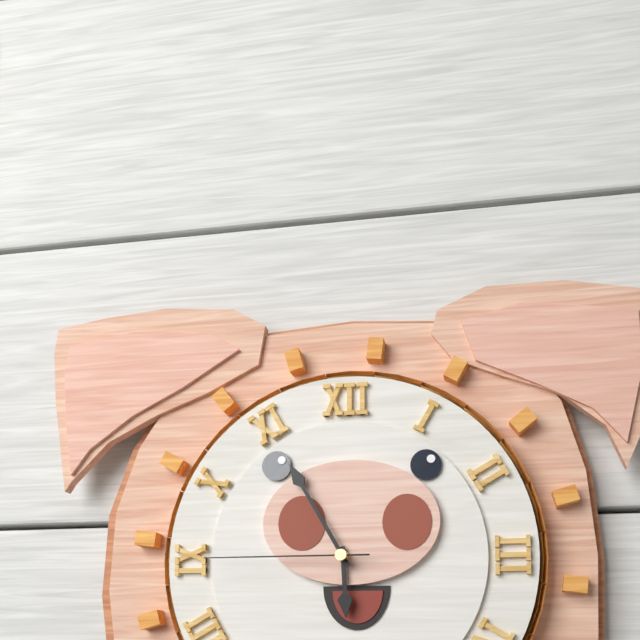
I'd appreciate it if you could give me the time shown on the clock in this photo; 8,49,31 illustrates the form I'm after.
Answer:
5,55,45
